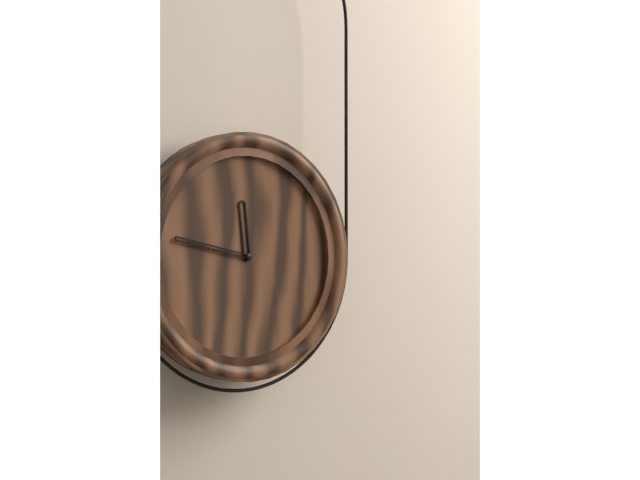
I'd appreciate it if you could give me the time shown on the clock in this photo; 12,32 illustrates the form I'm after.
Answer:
11,47
